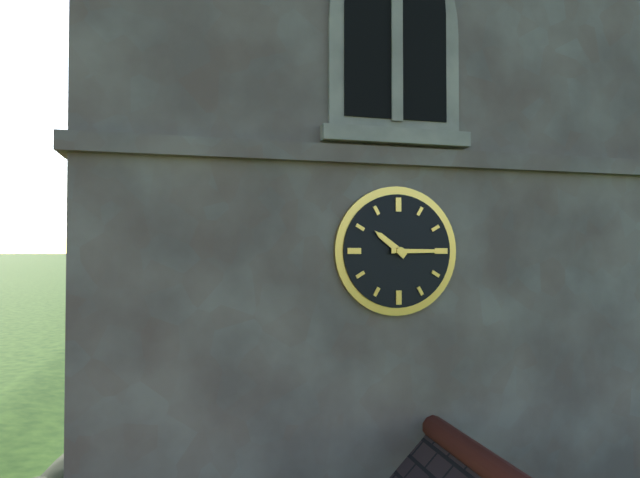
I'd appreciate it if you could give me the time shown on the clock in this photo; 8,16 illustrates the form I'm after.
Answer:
10,15
